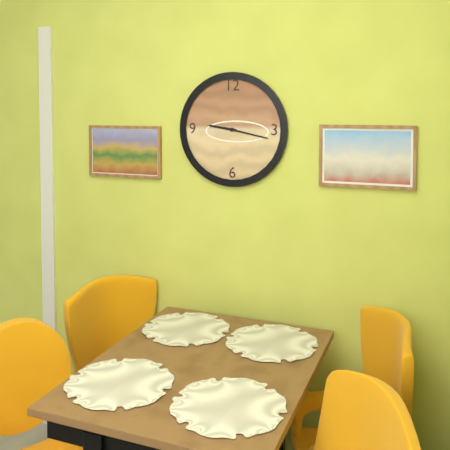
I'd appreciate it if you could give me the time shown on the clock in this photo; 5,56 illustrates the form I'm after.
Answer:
9,17
